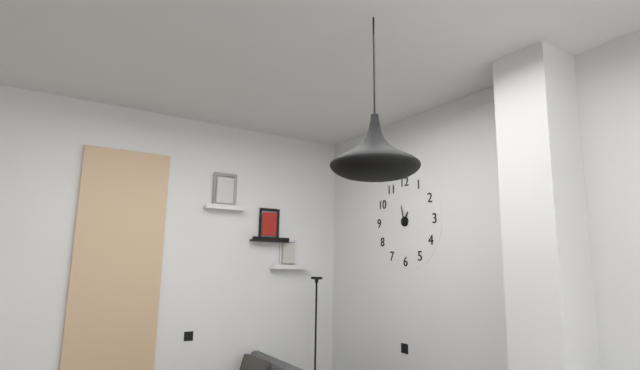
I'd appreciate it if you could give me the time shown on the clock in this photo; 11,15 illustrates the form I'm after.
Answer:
12,58
